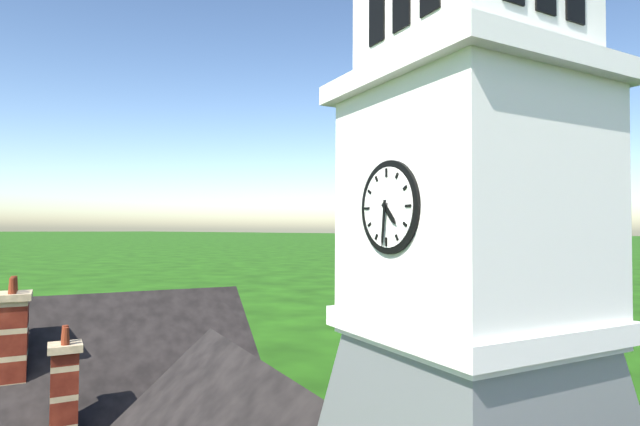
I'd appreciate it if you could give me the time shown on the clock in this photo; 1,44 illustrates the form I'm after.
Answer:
4,31
